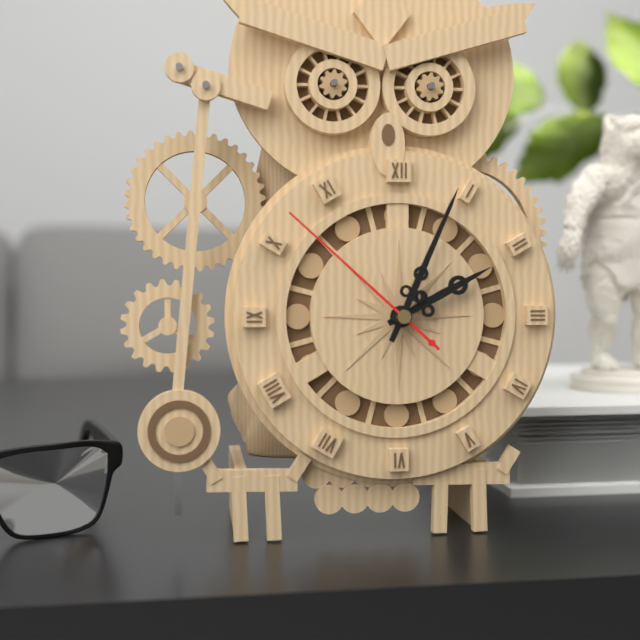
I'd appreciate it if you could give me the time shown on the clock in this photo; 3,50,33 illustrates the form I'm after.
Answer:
2,04,52
